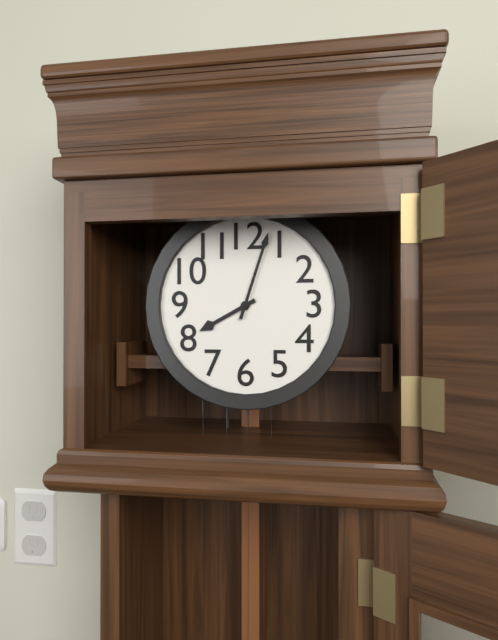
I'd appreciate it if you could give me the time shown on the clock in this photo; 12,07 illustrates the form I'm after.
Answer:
8,03
